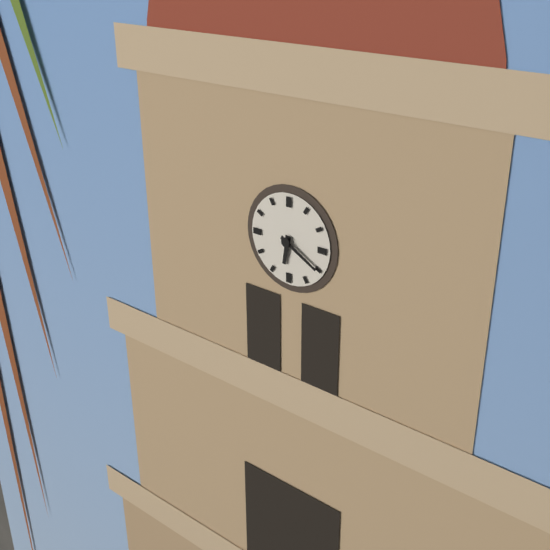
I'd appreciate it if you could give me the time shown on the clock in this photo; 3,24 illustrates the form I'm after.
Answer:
6,20
